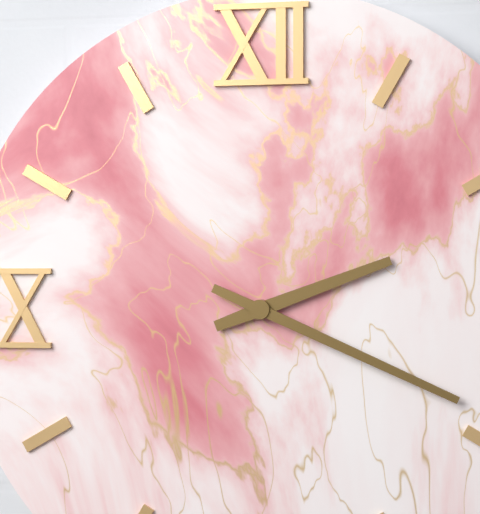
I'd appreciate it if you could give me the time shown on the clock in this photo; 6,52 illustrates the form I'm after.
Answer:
2,19
